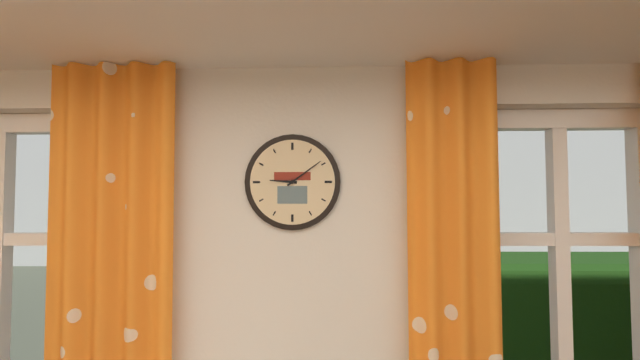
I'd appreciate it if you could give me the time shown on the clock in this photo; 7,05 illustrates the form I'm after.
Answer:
9,09
